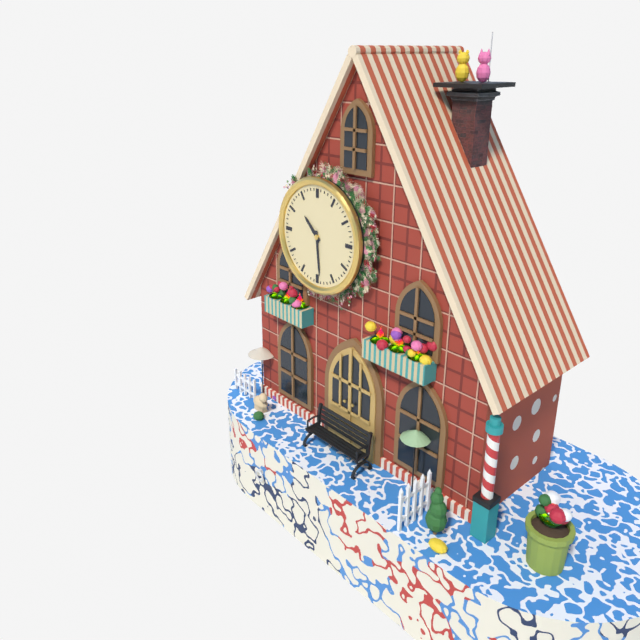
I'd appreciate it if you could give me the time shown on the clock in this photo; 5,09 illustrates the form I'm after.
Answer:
10,29
